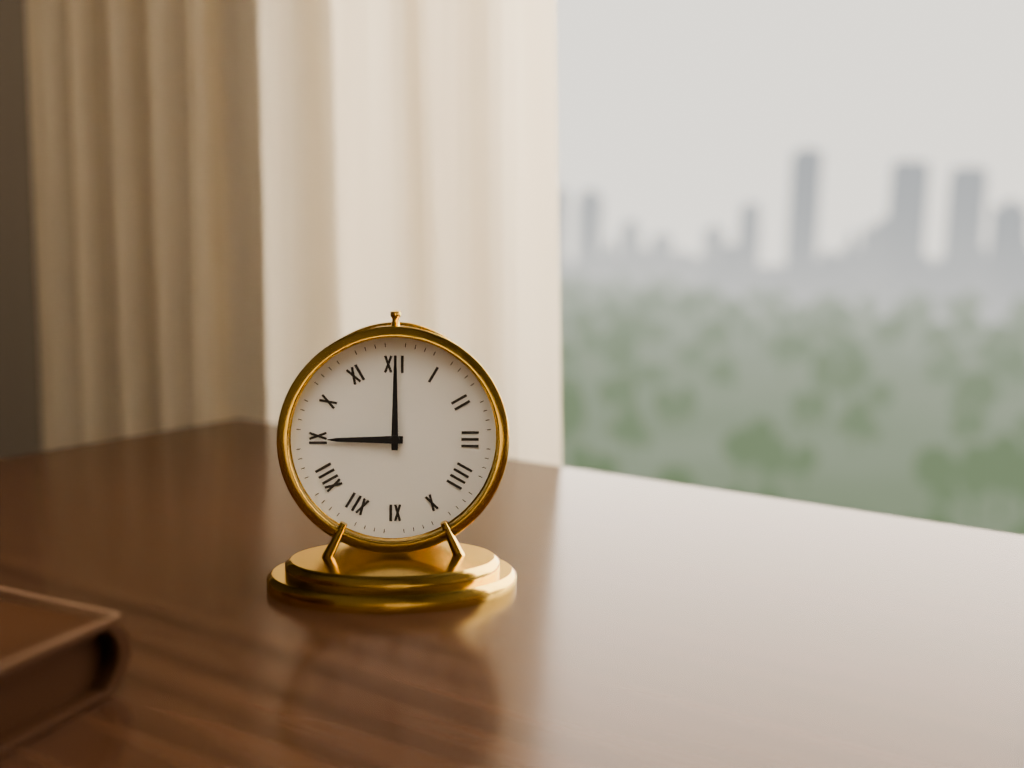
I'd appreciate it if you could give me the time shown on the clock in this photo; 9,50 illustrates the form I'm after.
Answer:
9,00
